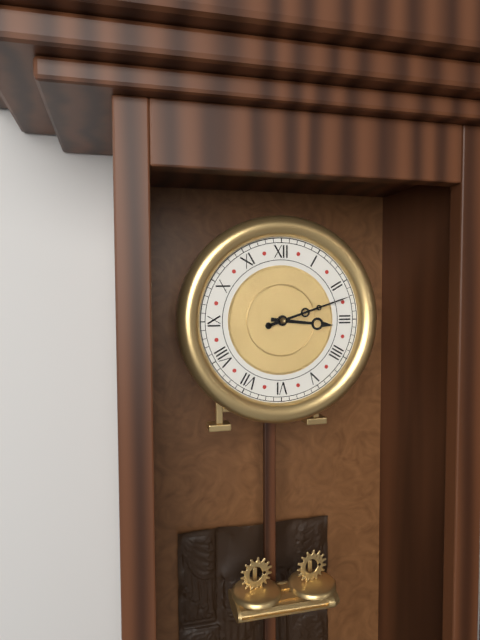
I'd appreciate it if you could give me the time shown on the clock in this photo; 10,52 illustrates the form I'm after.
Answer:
3,12
